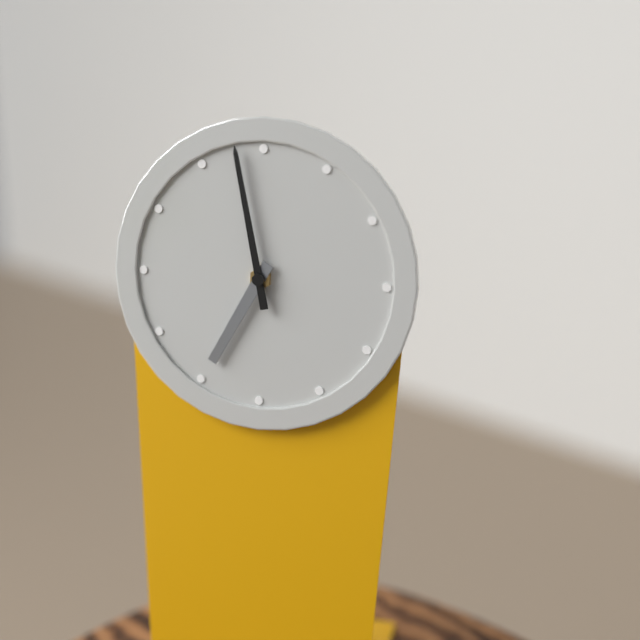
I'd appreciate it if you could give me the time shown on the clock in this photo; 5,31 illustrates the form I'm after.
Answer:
6,58
